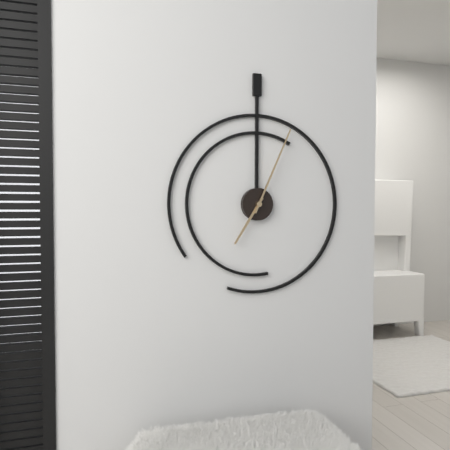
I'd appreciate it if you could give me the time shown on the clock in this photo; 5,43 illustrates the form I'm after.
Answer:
7,04
